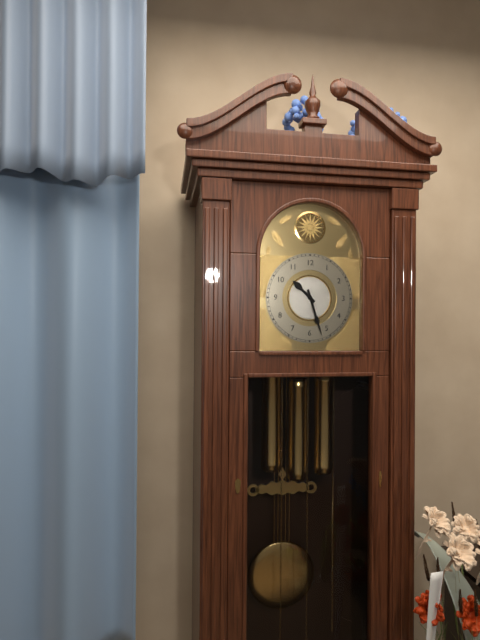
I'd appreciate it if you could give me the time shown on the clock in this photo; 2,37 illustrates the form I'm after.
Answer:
10,27
